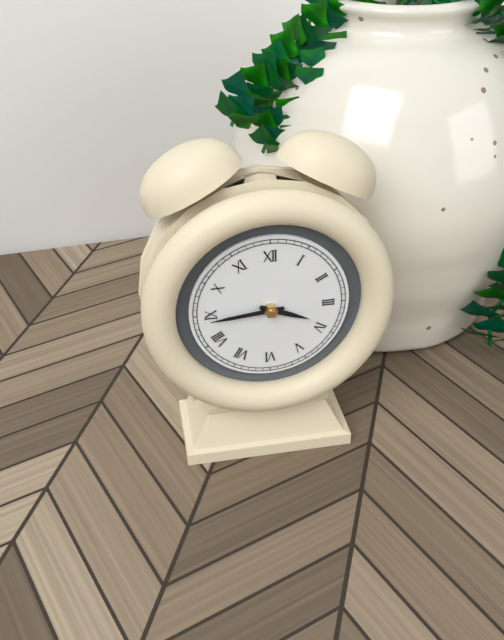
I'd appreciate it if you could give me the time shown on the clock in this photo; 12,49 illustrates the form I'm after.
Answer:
3,44
